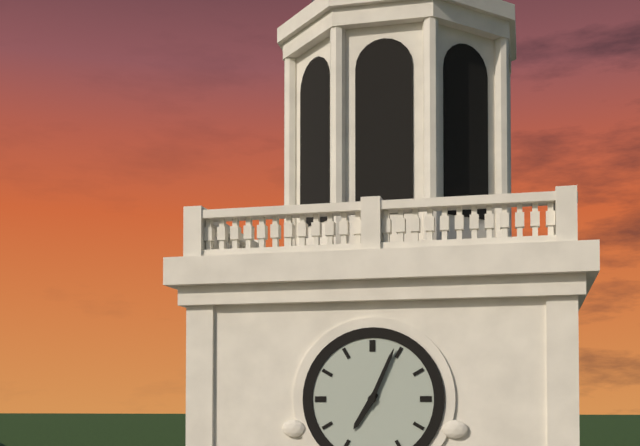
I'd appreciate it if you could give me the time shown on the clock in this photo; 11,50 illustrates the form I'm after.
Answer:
7,04
